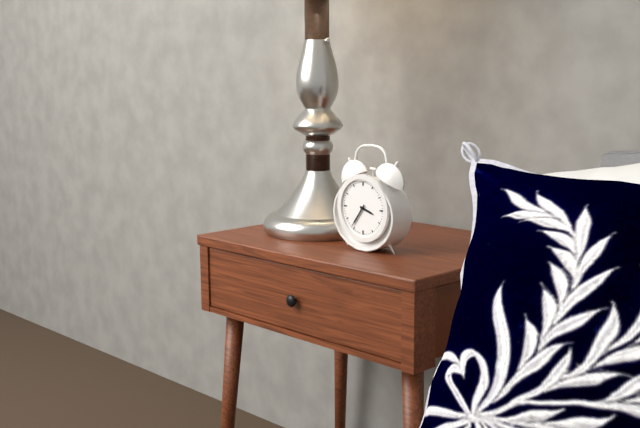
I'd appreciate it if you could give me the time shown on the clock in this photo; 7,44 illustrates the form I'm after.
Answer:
3,36
